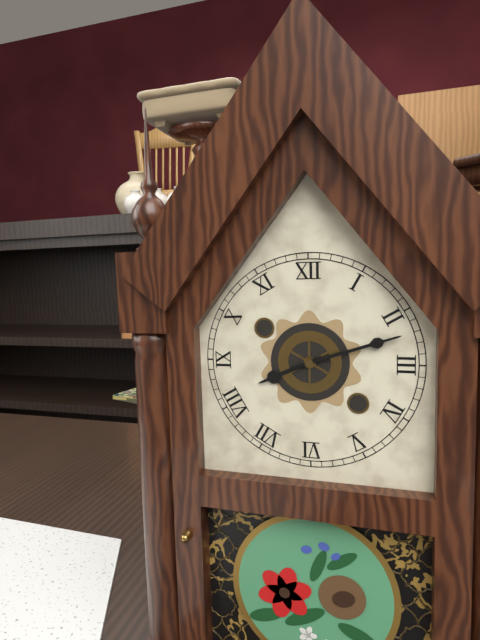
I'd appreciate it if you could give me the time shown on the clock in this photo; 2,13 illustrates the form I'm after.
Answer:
8,12
